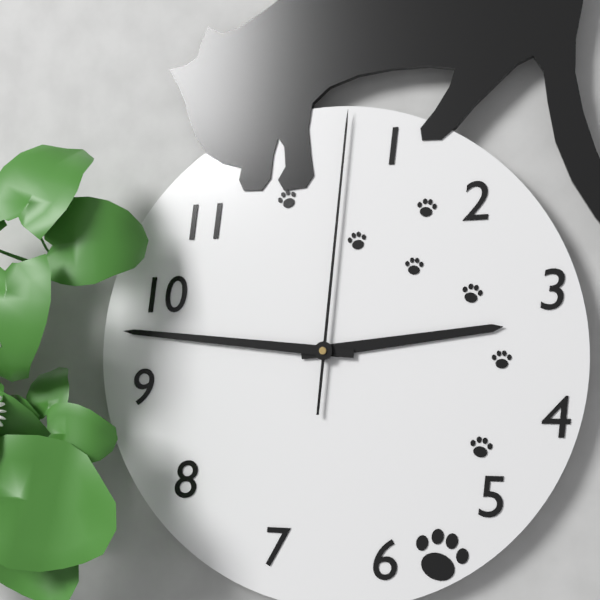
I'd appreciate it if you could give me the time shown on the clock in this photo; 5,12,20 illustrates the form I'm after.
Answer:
2,46,01
